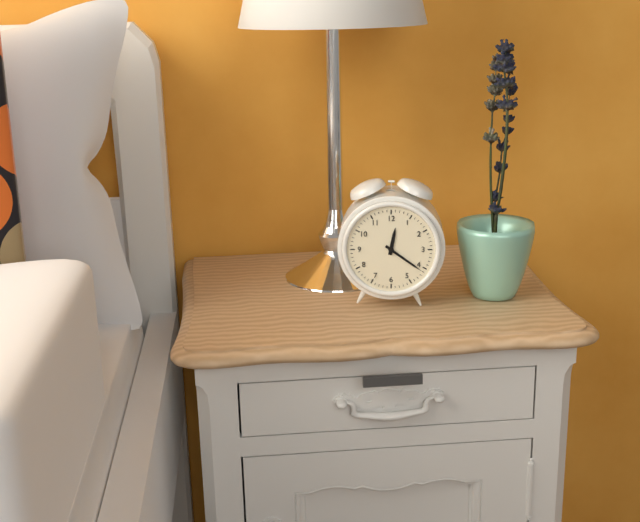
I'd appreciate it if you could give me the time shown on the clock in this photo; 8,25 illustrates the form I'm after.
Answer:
12,21
